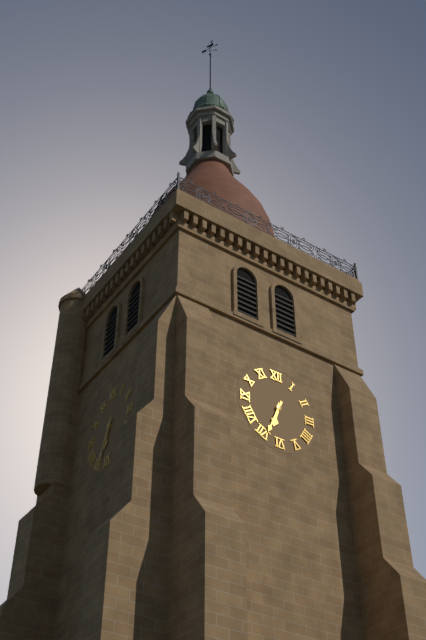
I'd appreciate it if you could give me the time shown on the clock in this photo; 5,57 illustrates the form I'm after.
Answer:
6,34
